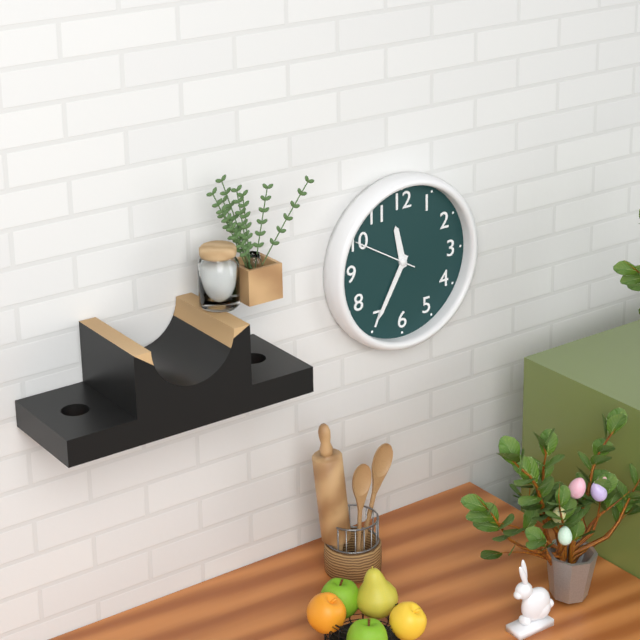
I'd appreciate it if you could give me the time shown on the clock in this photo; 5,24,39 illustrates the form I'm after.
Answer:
11,35,50
